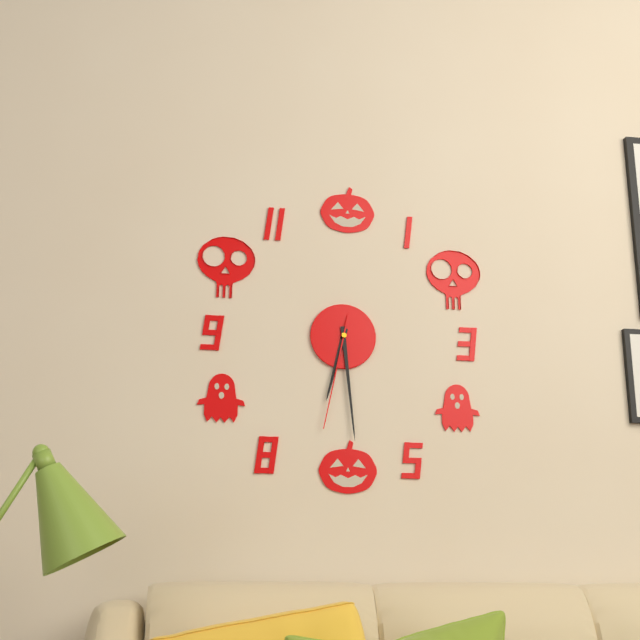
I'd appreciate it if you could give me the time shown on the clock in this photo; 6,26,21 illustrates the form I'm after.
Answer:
6,29,32
